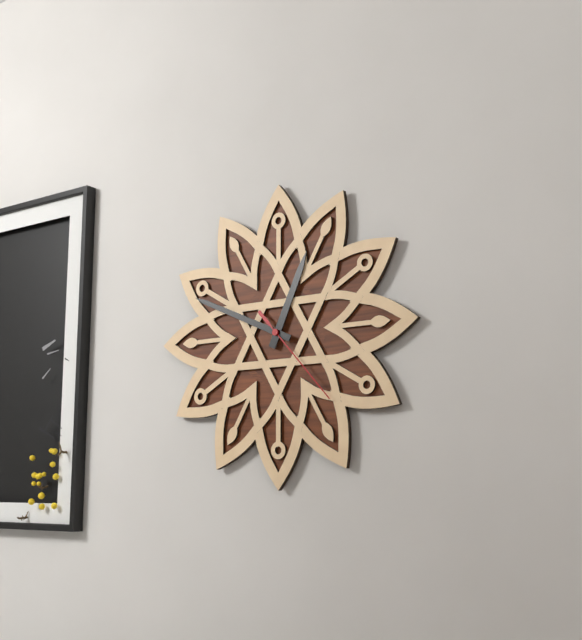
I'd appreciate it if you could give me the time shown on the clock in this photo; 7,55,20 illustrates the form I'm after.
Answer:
12,49,23
